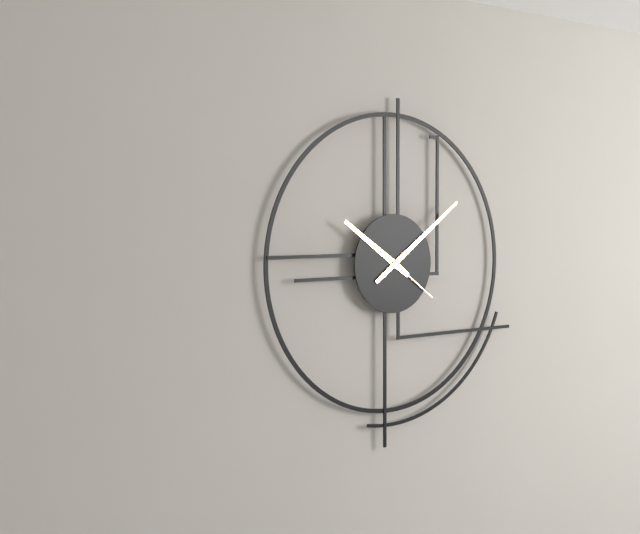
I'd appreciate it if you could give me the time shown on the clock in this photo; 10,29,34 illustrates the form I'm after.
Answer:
10,09,21
